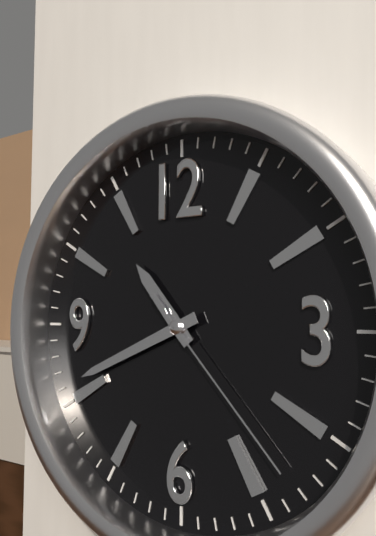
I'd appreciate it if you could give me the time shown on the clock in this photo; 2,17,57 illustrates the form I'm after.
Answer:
10,41,23
